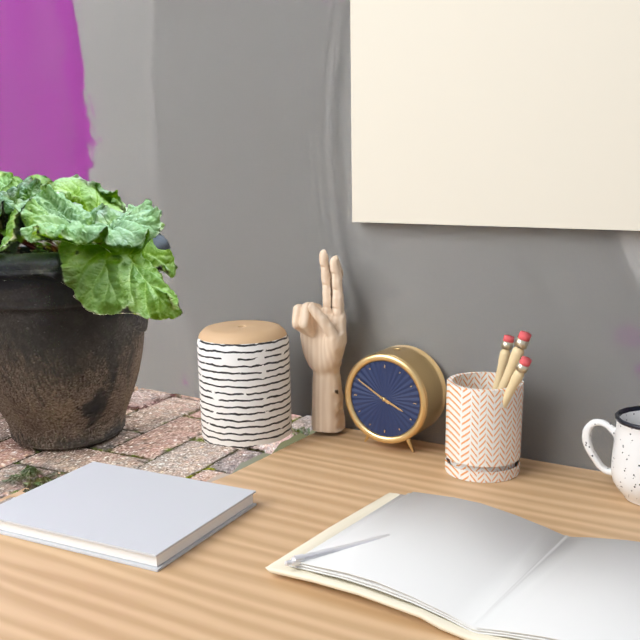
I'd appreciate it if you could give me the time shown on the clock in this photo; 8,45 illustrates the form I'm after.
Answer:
3,50
